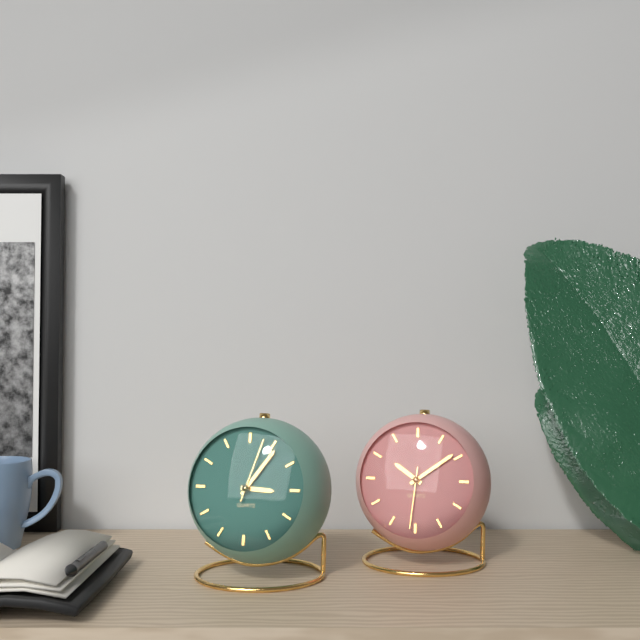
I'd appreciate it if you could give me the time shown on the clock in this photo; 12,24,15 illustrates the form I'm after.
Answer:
3,06,03
